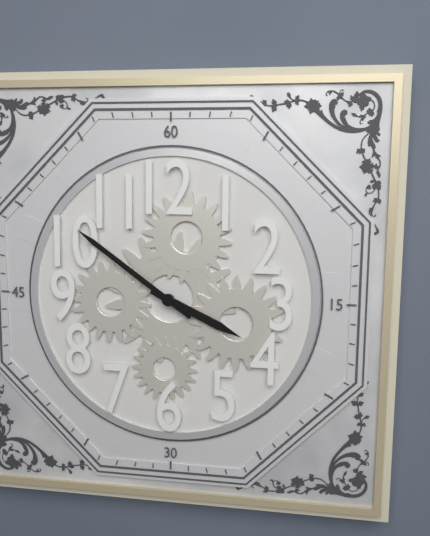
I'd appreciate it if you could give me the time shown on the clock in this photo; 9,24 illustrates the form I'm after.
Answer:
3,51
